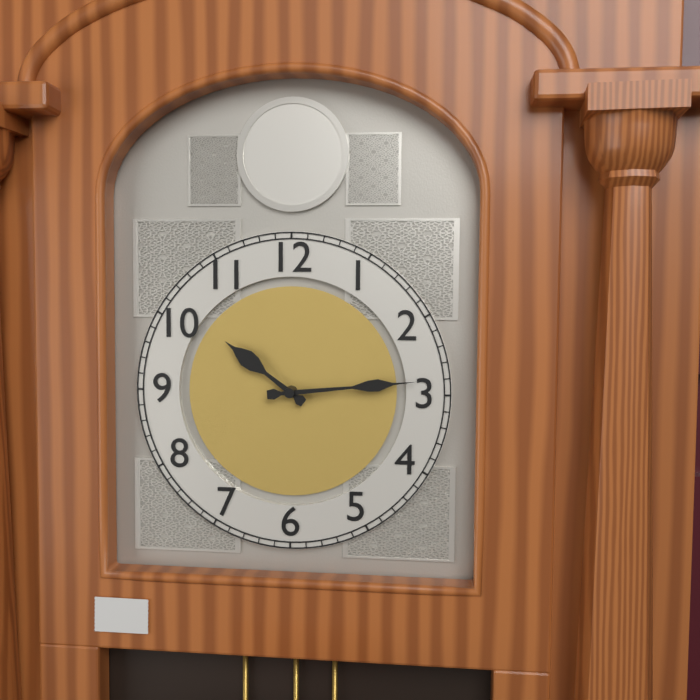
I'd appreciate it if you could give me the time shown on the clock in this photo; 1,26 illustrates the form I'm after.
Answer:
10,14
